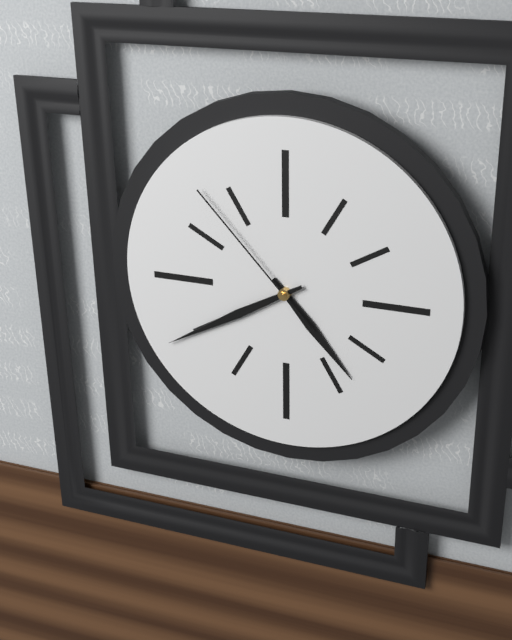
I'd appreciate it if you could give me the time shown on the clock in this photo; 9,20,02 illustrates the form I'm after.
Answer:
4,40,53
